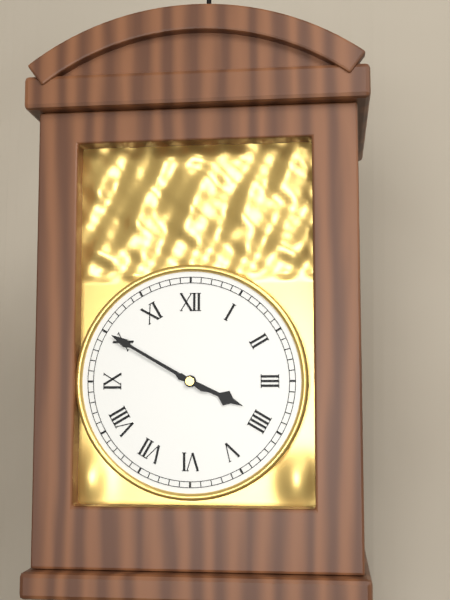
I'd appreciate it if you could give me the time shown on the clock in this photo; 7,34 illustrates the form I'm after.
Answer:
3,50
